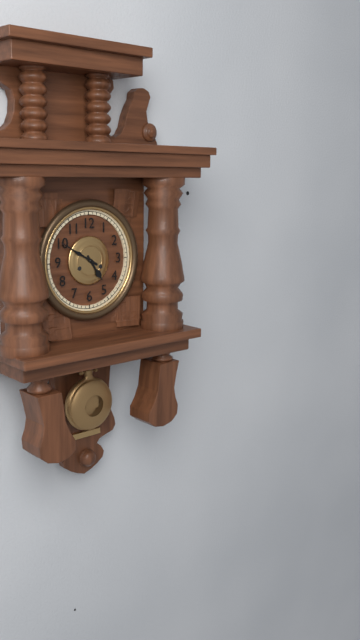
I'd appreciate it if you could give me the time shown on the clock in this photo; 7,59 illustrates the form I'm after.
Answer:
4,50
